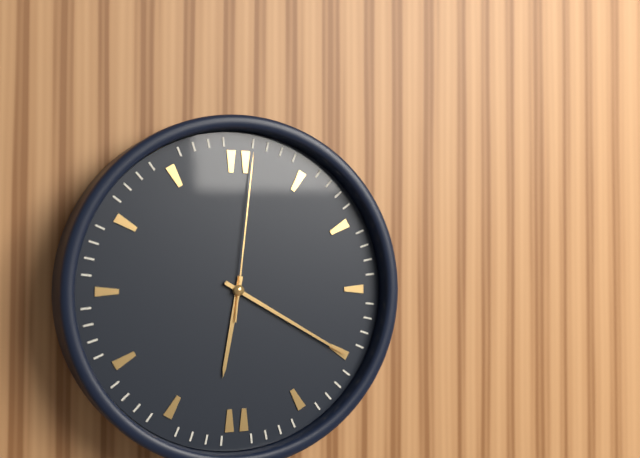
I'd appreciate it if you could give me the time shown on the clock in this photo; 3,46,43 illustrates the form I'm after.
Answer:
6,20,01
